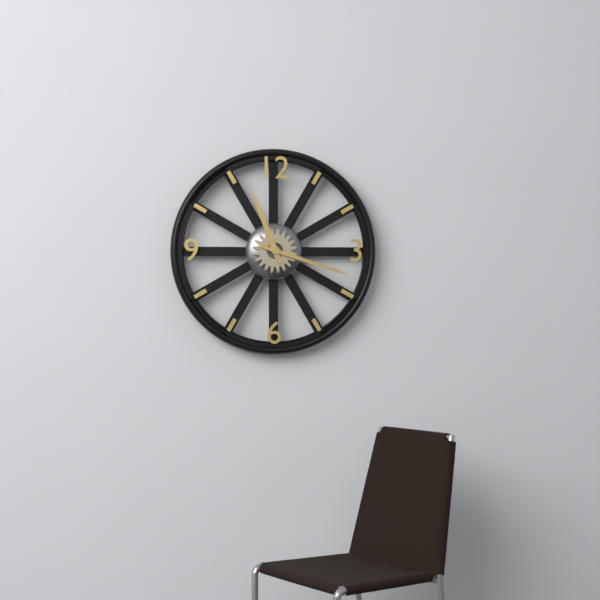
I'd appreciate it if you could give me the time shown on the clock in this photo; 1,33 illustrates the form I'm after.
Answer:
11,18
